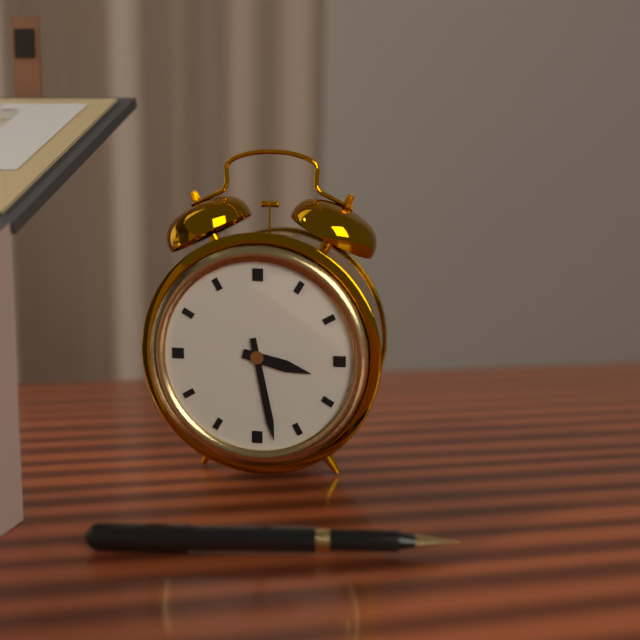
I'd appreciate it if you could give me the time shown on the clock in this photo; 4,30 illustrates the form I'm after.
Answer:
3,28
